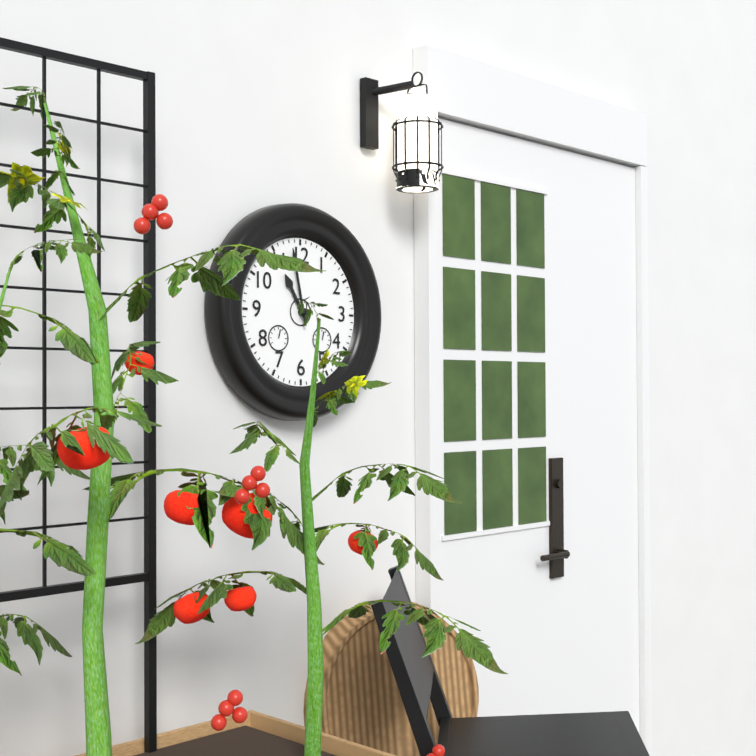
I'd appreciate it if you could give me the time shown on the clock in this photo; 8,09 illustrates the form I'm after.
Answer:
10,58
